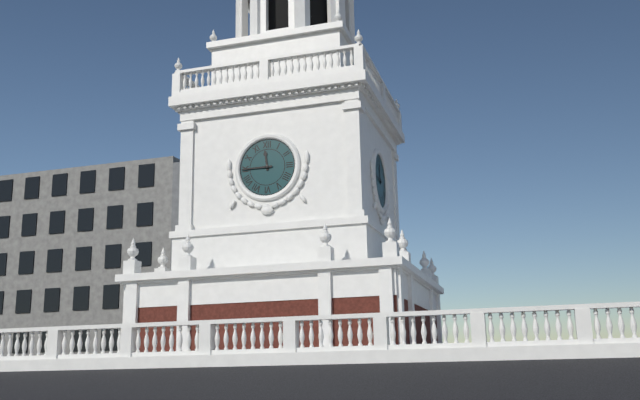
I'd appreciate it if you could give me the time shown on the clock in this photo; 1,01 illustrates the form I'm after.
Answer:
11,45
